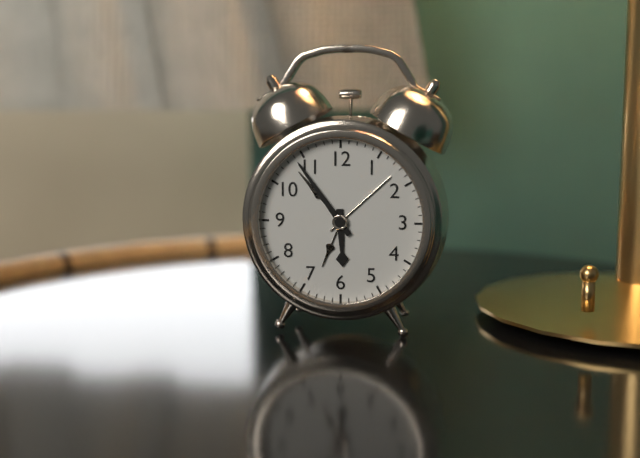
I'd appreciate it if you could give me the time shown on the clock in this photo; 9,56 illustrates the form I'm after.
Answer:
5,54
